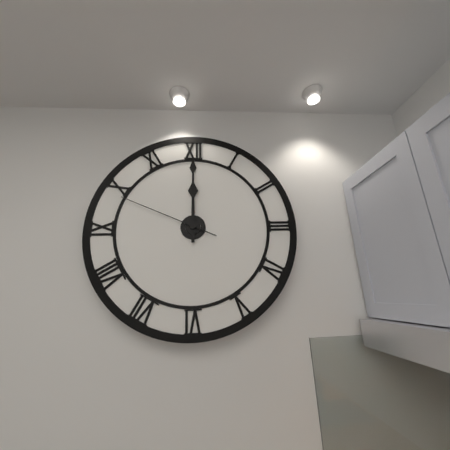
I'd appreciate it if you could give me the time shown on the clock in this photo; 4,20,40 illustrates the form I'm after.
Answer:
12,00,49
